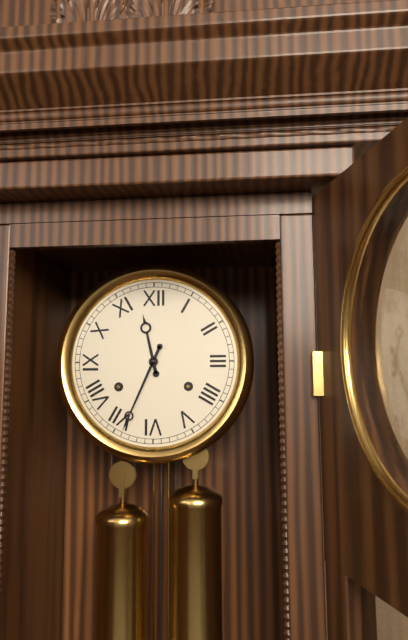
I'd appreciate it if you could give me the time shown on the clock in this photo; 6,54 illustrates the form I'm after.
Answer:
11,34
